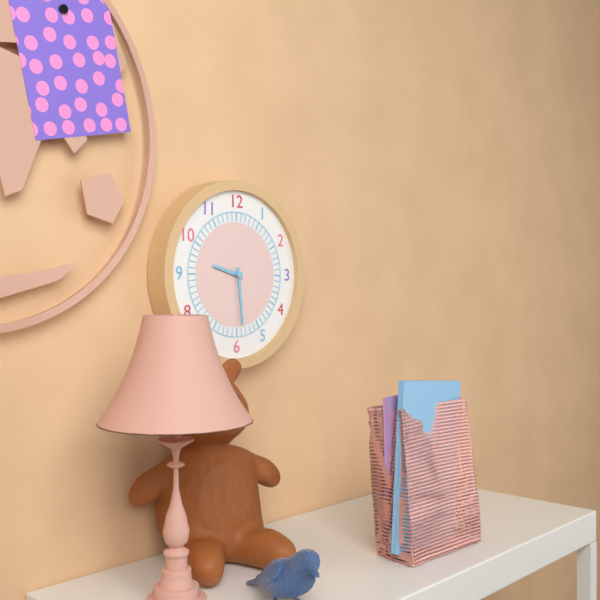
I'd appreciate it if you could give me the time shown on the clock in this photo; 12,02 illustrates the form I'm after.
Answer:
9,29
